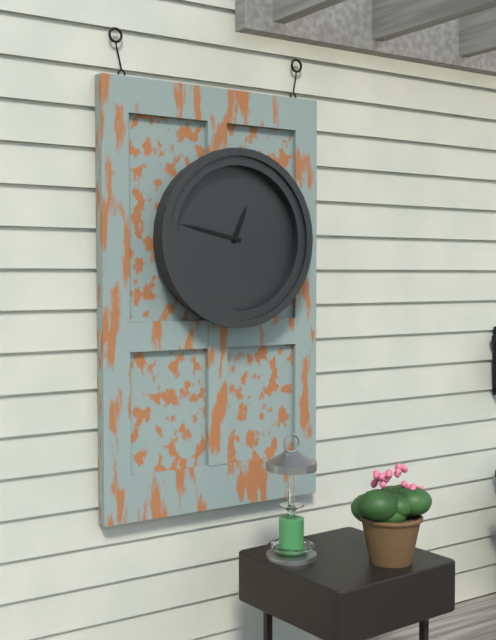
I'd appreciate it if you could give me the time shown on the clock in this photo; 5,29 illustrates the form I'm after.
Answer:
12,47
